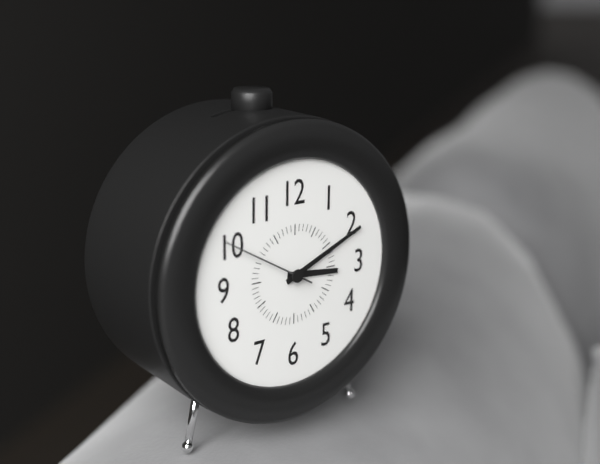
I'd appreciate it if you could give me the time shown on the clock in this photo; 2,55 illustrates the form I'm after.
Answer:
3,11
